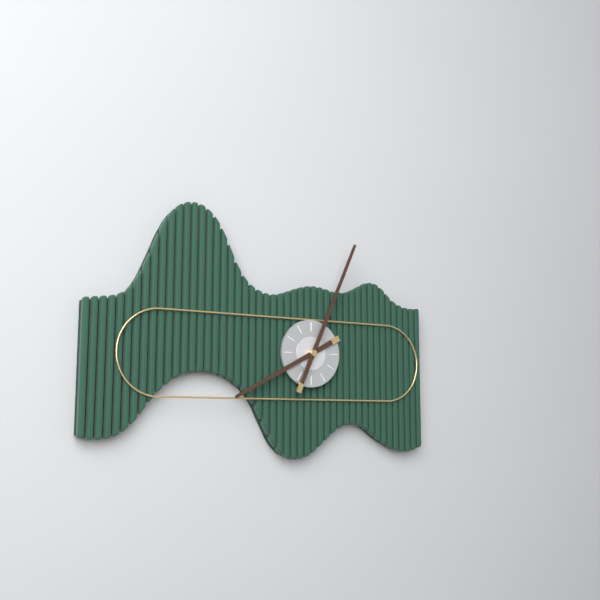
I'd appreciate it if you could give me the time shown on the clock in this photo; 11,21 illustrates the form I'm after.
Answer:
8,04
